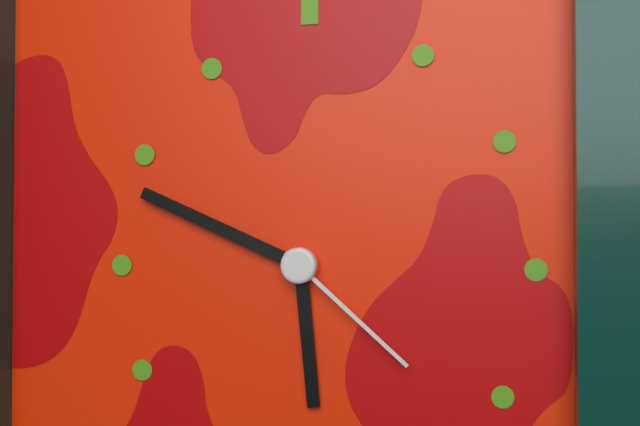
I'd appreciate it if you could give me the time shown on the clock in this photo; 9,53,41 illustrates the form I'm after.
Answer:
5,49,22
